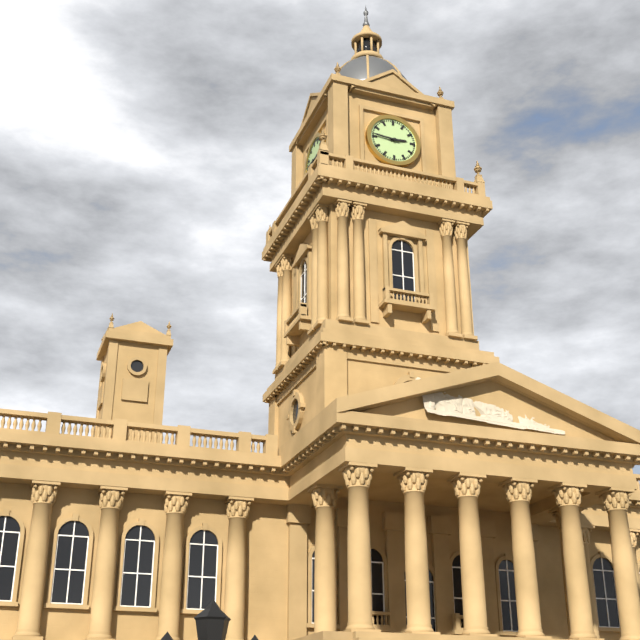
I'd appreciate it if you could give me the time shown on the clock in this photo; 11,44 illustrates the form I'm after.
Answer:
2,46
